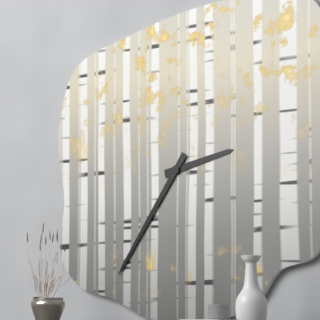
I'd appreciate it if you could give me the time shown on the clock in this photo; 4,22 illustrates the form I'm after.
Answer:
2,36
